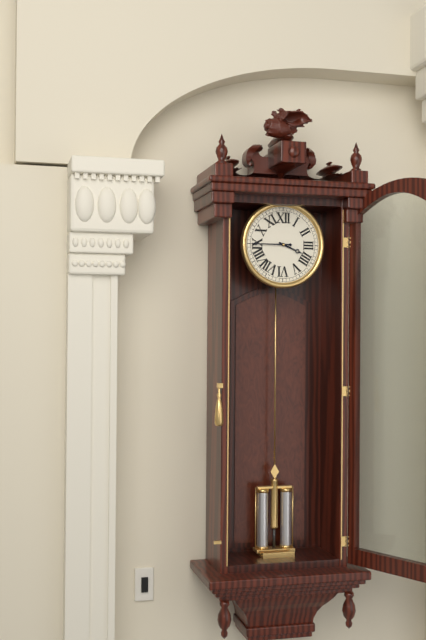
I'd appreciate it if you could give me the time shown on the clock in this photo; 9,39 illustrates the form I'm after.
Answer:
3,45
